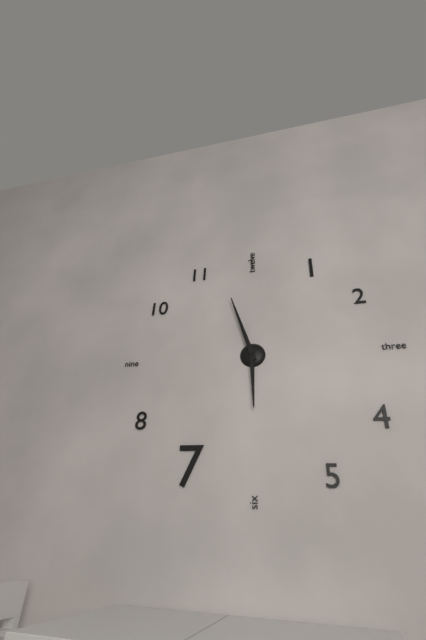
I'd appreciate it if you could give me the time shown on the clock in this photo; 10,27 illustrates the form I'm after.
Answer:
5,57
